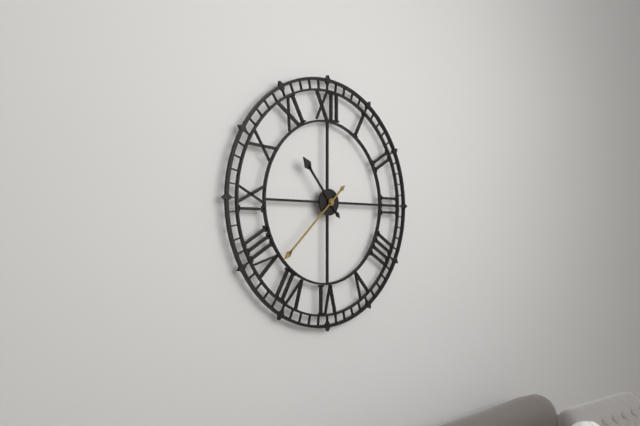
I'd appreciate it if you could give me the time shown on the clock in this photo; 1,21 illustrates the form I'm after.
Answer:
10,38
